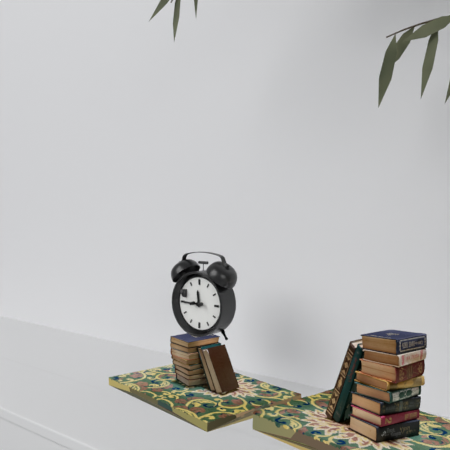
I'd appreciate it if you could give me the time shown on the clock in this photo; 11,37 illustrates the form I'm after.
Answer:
11,45
